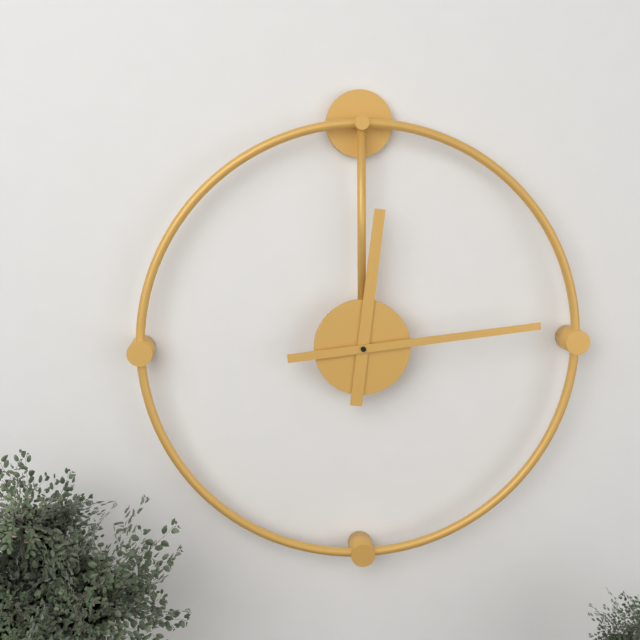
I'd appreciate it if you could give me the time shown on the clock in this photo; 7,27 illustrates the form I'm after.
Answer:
12,14
